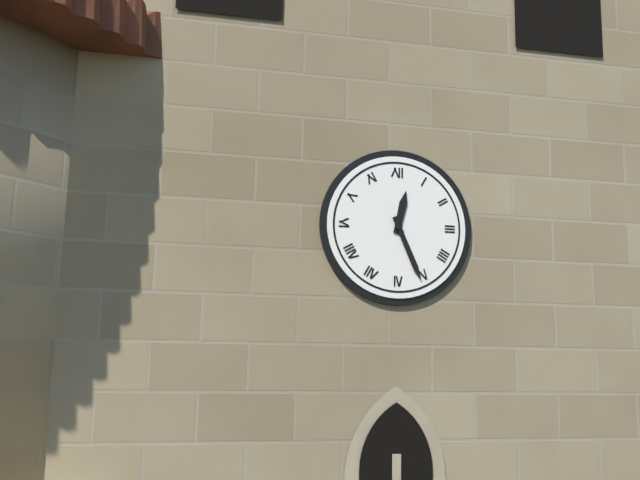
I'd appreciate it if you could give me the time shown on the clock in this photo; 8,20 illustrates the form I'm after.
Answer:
12,26
